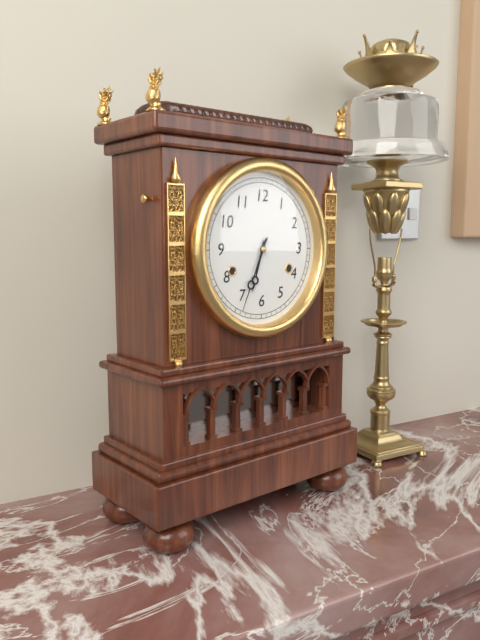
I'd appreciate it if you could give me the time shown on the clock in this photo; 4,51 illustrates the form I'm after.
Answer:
6,34
